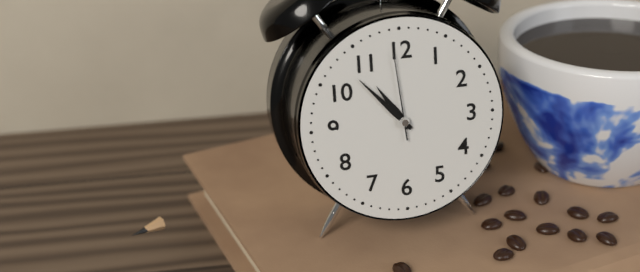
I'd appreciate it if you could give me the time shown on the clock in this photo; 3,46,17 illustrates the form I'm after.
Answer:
10,53,59
